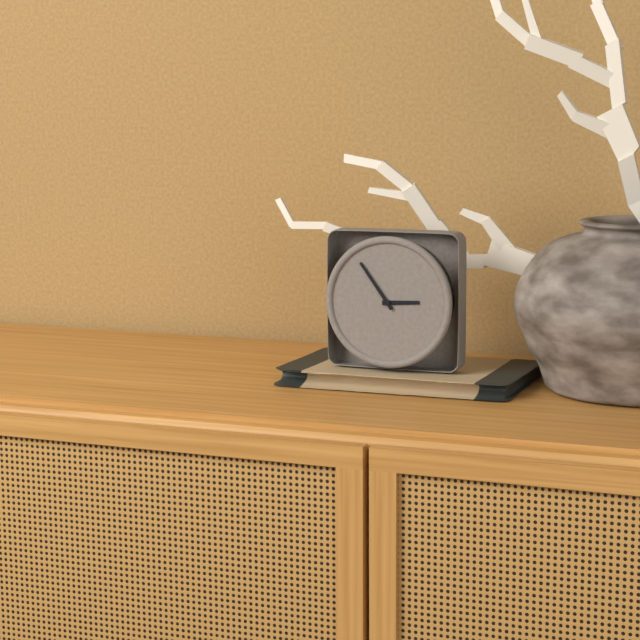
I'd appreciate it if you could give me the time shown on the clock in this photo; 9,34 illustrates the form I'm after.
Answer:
2,54
